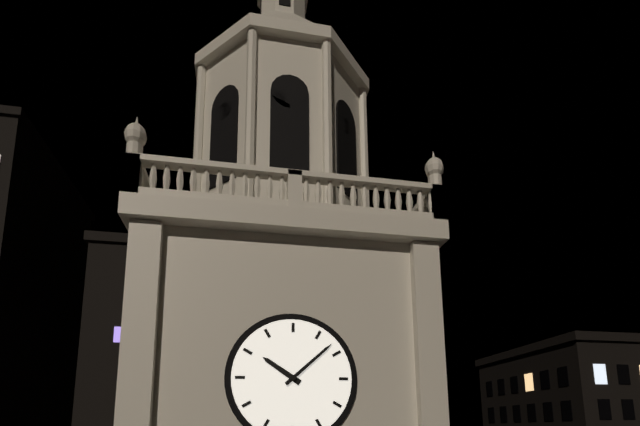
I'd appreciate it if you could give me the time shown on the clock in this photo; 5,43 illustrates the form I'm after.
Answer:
10,08
